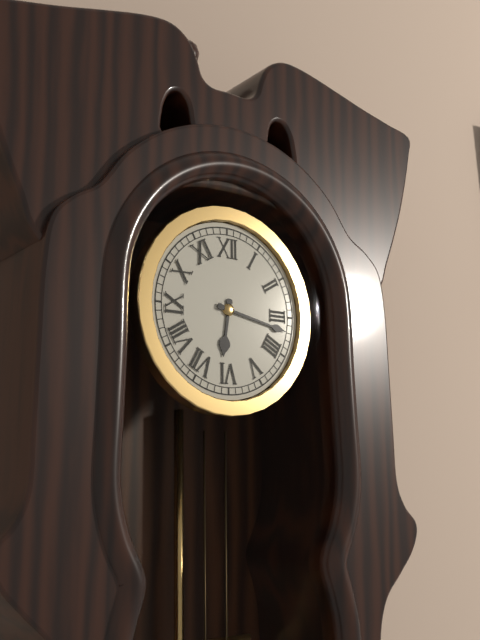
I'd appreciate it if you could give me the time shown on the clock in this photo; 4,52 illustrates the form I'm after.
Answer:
6,17
